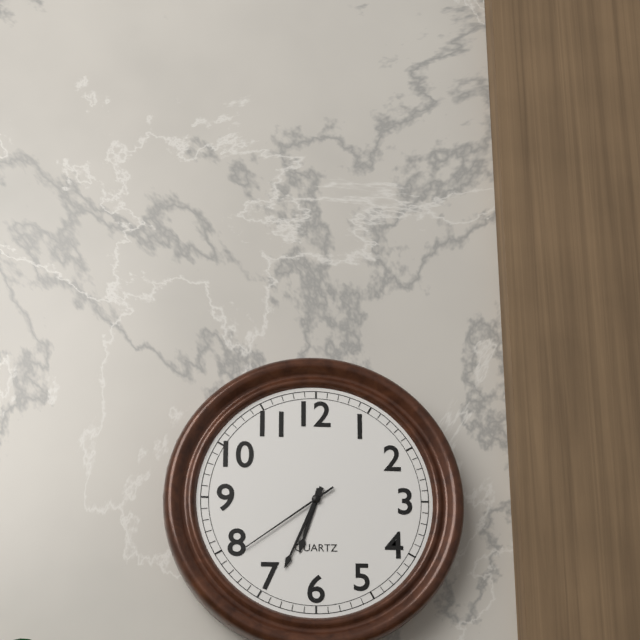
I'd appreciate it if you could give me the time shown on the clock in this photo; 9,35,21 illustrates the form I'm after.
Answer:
6,34,39
